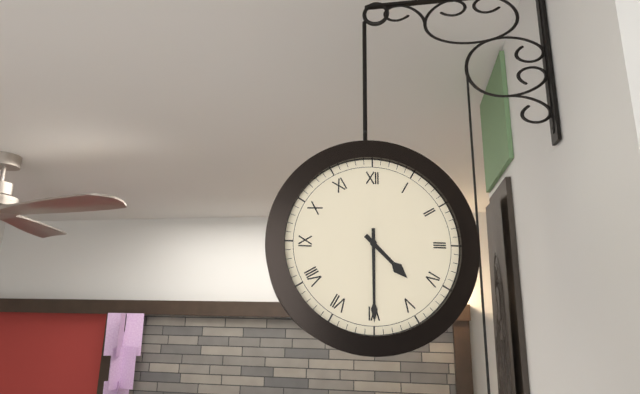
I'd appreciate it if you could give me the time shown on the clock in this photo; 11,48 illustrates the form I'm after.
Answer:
4,30
